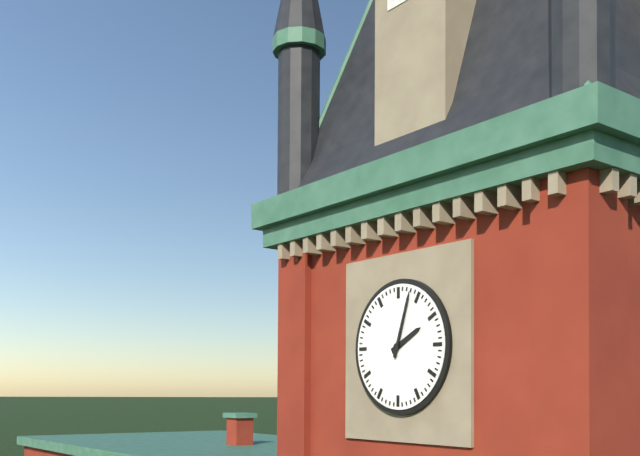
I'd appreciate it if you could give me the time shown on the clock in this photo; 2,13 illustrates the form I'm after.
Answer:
2,03
